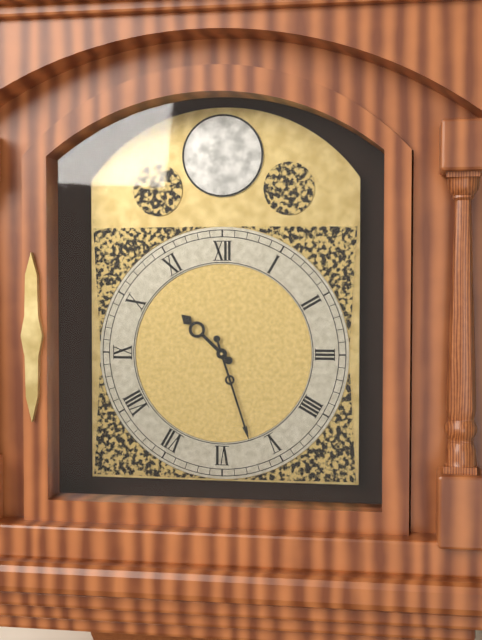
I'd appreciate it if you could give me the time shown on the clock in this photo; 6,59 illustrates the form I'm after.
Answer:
10,27
